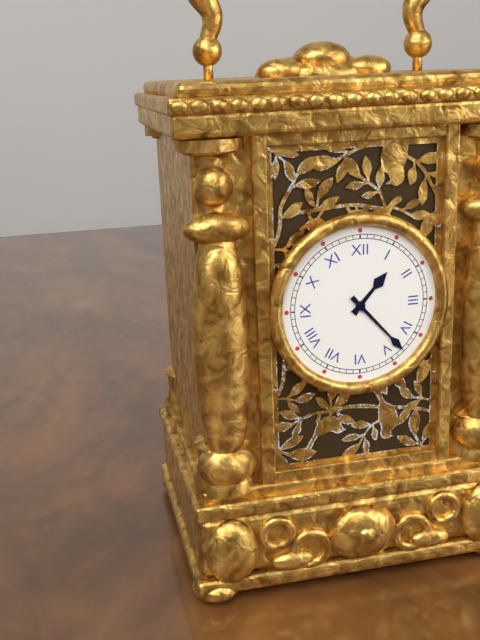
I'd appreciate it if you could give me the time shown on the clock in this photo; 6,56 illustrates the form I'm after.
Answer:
1,23
